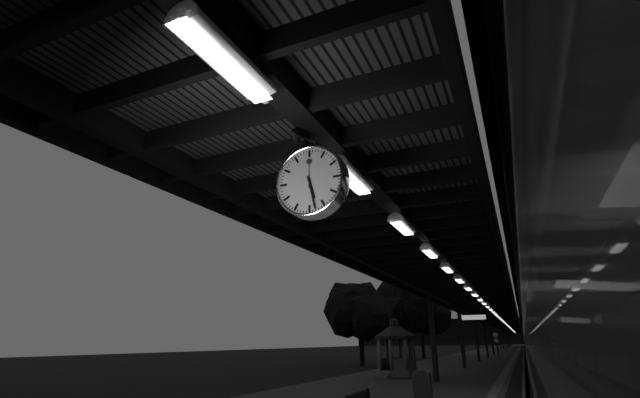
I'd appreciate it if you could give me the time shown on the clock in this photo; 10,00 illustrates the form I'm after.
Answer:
5,28
